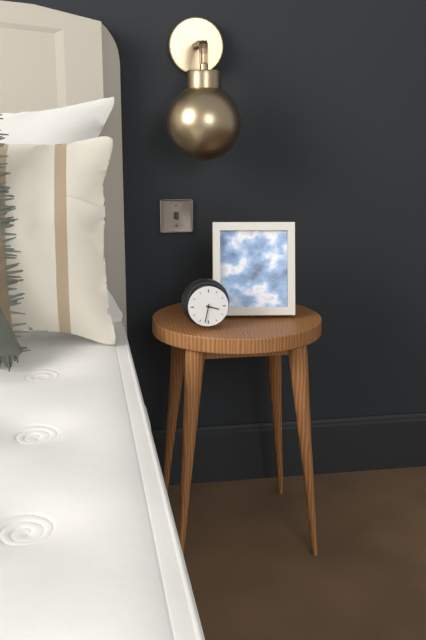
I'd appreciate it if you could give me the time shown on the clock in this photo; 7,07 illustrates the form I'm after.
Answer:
3,32
